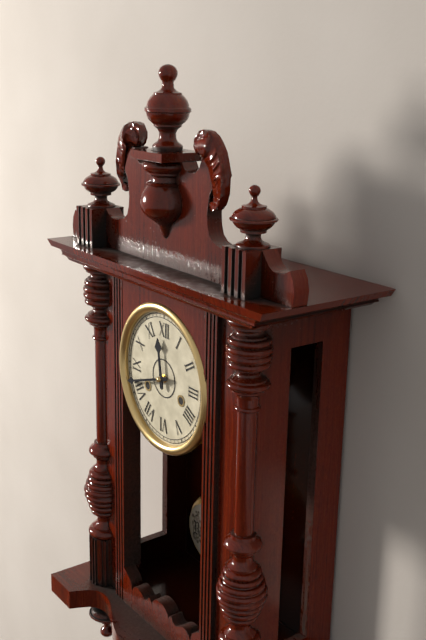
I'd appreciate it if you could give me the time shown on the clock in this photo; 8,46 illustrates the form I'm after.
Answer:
11,42
